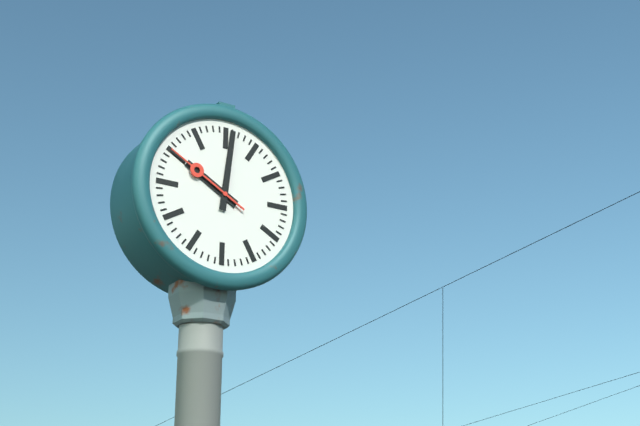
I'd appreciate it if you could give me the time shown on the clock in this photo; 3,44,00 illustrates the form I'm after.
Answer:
10,01,50
